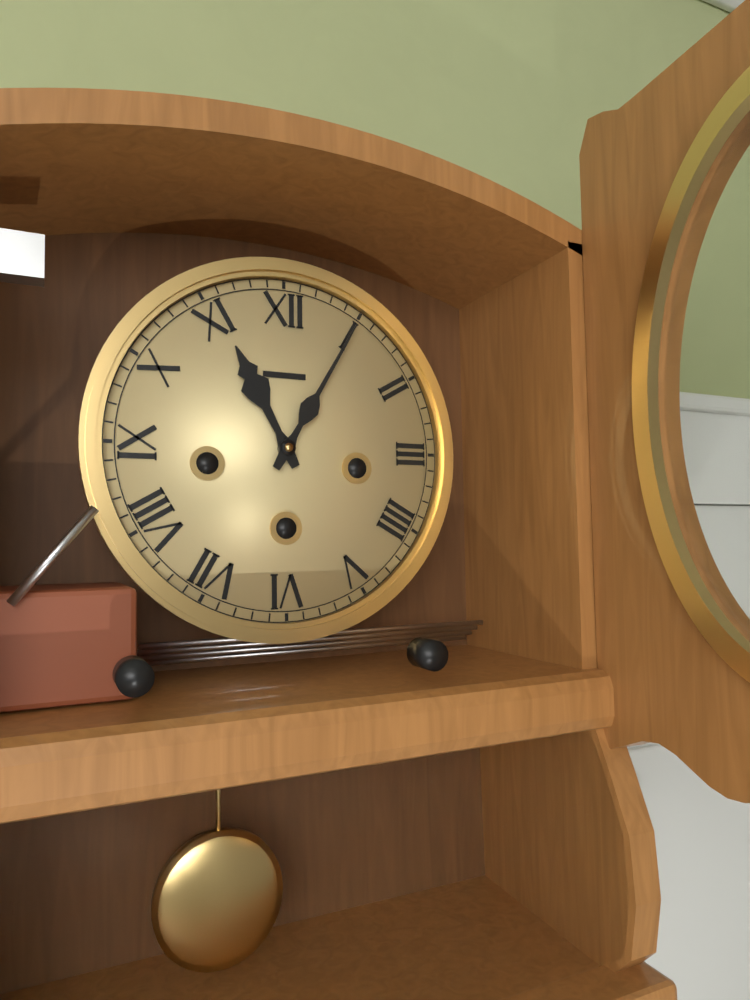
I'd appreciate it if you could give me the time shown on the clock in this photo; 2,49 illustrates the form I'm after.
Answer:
11,05
